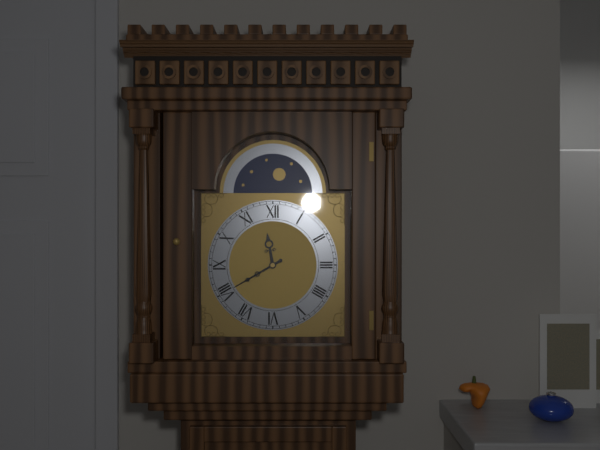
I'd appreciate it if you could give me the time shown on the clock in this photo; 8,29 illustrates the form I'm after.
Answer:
11,40
